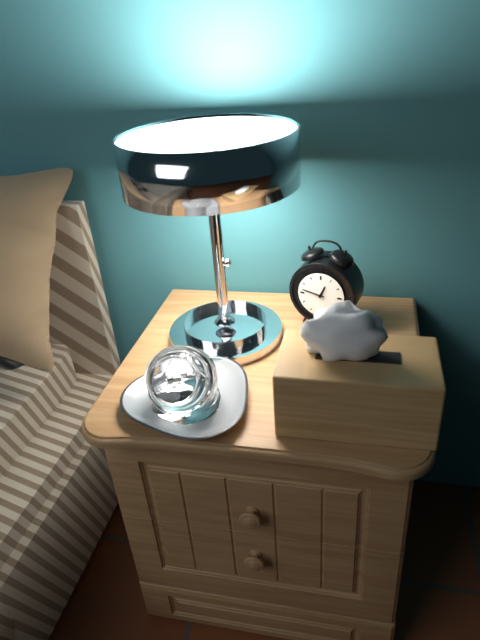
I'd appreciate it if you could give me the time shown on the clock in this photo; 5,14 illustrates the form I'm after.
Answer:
12,47
